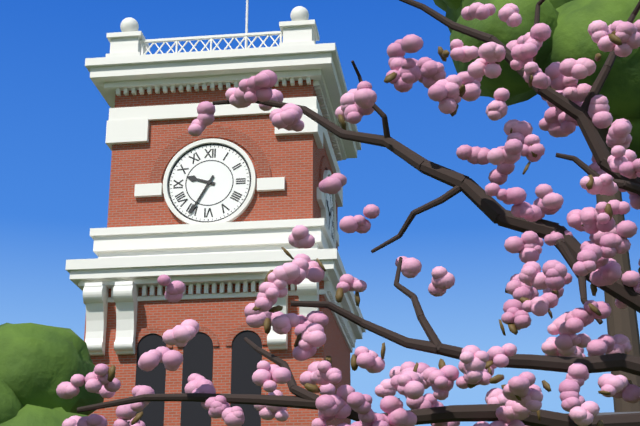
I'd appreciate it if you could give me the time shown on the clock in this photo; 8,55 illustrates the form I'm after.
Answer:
9,35
